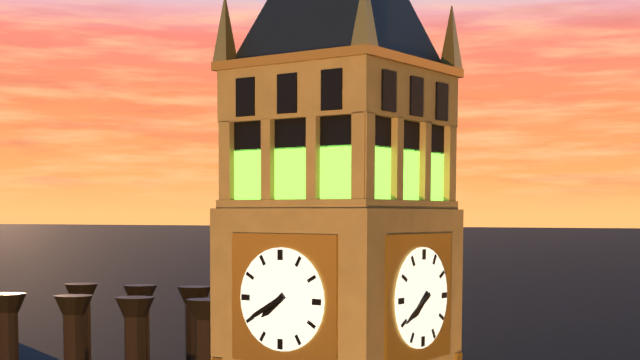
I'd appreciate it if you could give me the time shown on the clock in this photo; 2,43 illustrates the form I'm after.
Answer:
7,40
